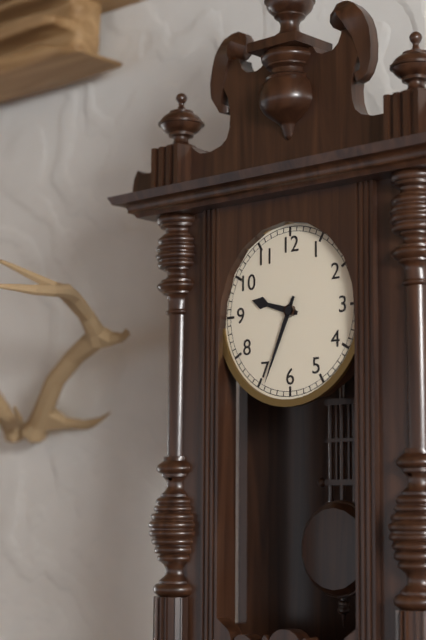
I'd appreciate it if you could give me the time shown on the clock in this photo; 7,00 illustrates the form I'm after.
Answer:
9,34
